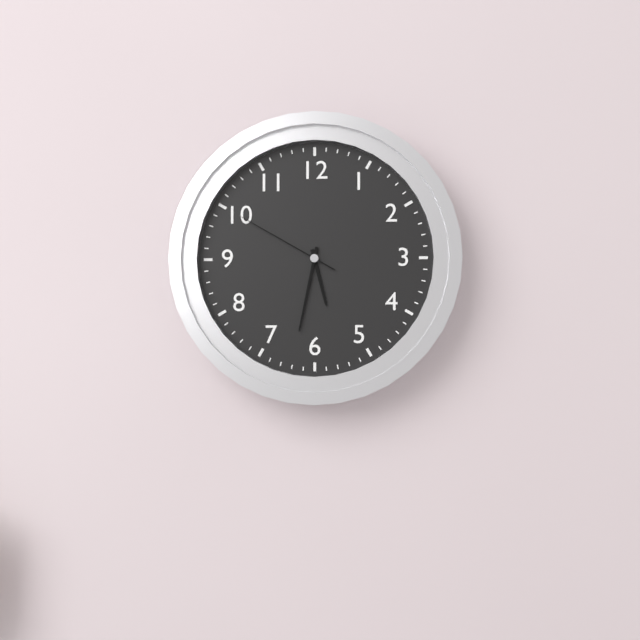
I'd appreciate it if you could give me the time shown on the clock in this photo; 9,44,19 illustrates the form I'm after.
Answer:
5,32,50
